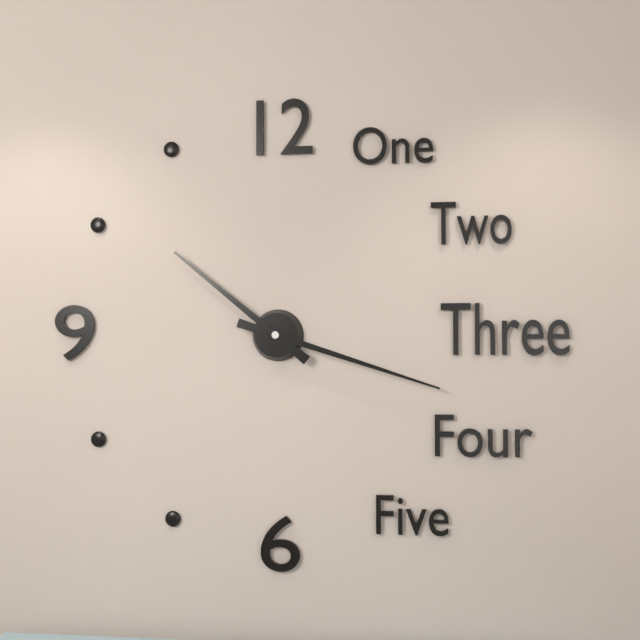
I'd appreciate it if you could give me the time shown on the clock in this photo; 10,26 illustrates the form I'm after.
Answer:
10,18
